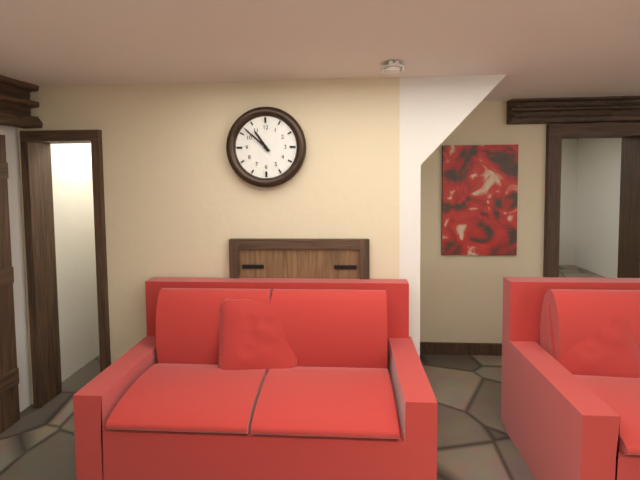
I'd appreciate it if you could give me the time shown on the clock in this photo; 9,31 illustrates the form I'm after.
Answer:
10,52
